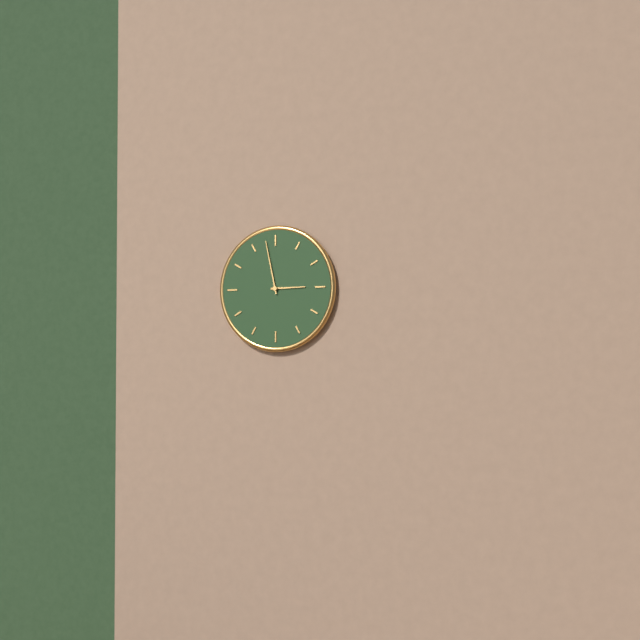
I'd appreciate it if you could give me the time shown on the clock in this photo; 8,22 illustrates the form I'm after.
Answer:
2,58
